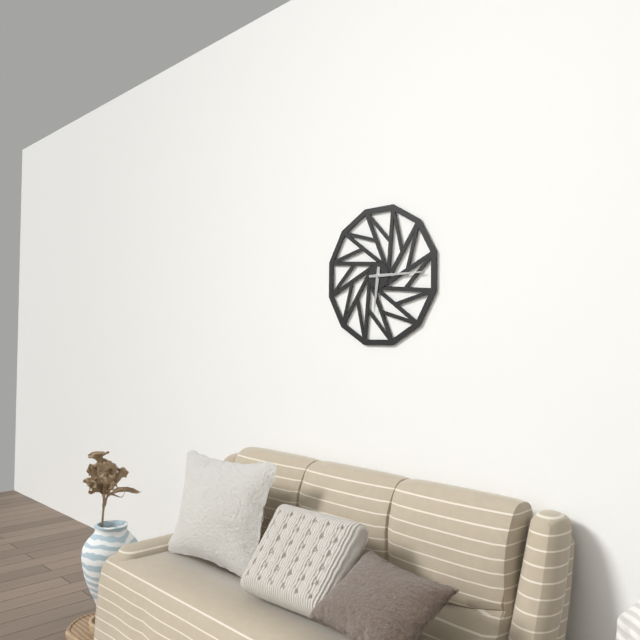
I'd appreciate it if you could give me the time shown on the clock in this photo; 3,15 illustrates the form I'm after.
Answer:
6,15
